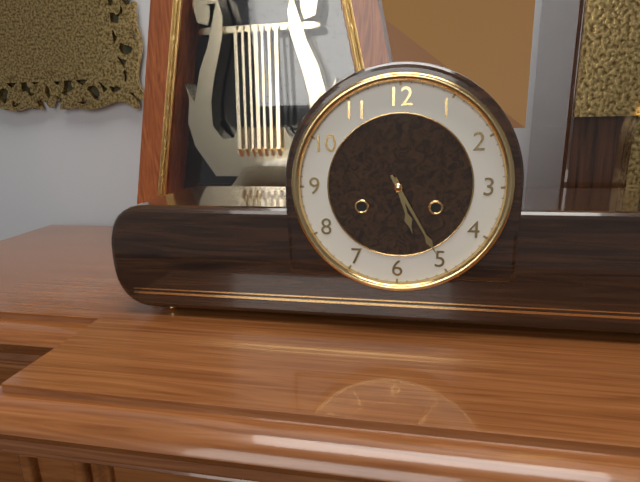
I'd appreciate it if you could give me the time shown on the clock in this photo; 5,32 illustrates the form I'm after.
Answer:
5,25
